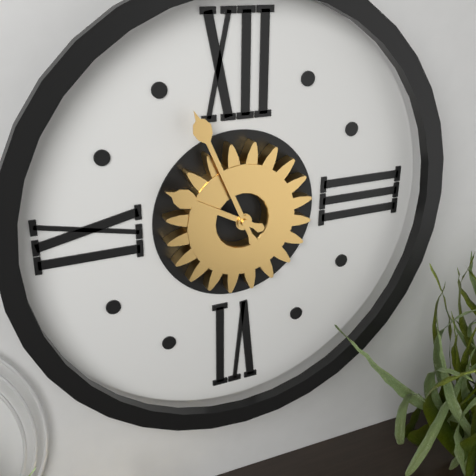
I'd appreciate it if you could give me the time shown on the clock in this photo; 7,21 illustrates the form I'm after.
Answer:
9,56
